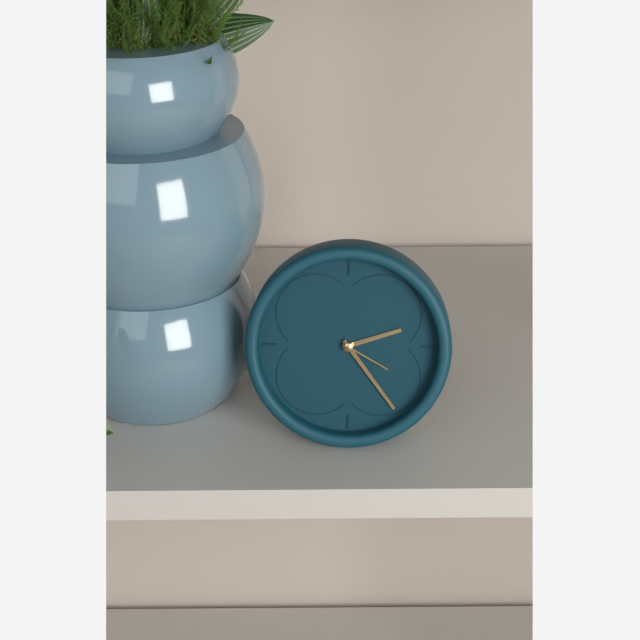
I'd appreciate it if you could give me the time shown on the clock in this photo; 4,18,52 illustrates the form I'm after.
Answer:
2,24,20
